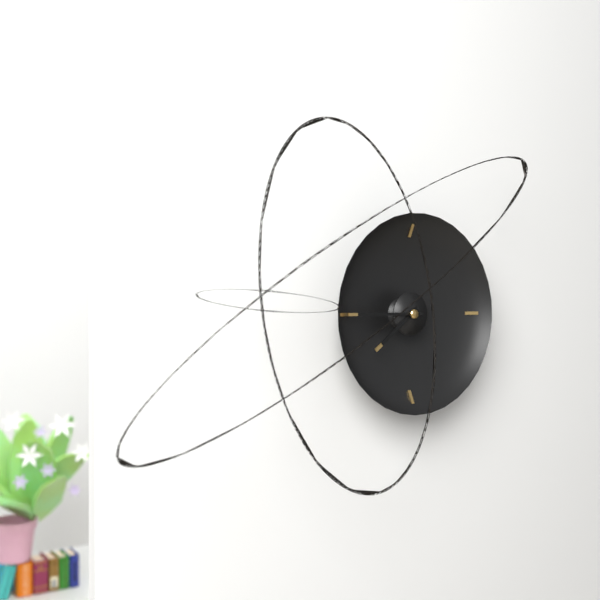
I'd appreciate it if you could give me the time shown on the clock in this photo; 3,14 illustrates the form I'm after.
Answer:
7,45
